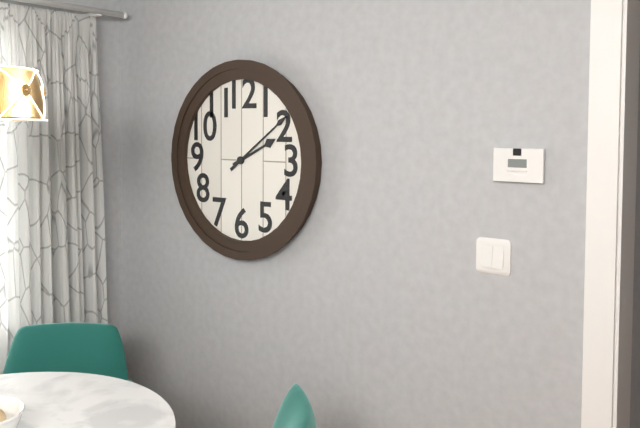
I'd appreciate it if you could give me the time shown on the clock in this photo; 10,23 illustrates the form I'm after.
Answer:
2,09
